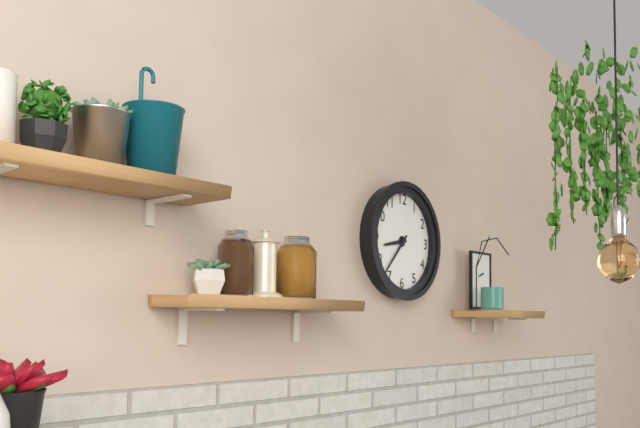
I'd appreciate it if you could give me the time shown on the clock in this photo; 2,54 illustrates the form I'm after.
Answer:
8,37
